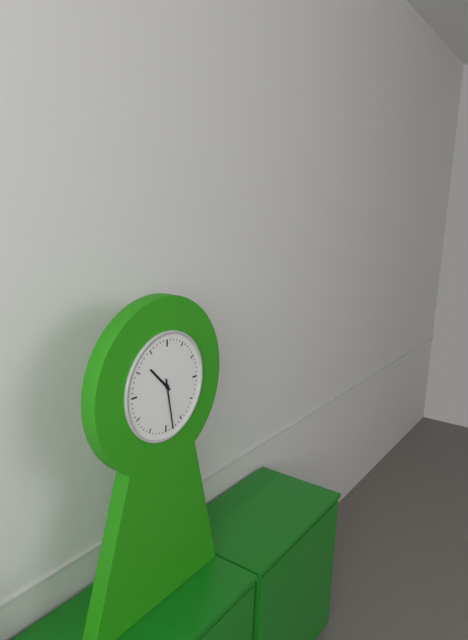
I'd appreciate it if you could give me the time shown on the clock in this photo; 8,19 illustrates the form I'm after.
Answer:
10,28
